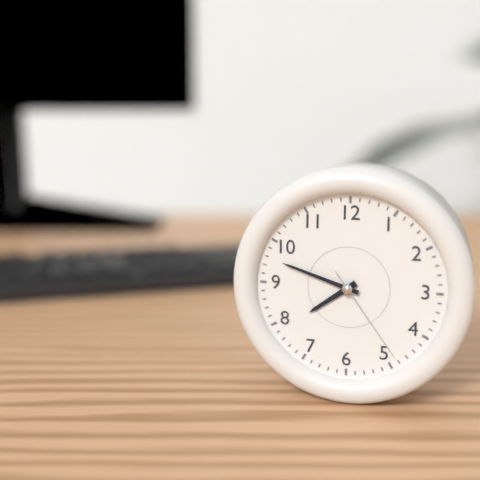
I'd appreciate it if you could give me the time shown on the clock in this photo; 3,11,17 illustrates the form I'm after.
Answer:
7,48,24
